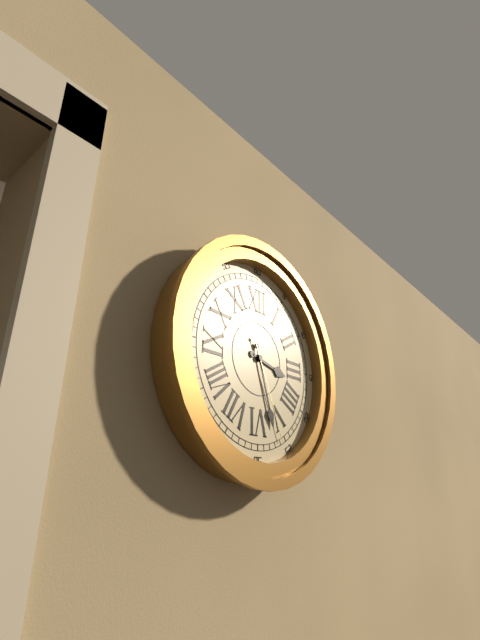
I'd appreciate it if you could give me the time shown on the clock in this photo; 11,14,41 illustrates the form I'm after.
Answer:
3,27,26
